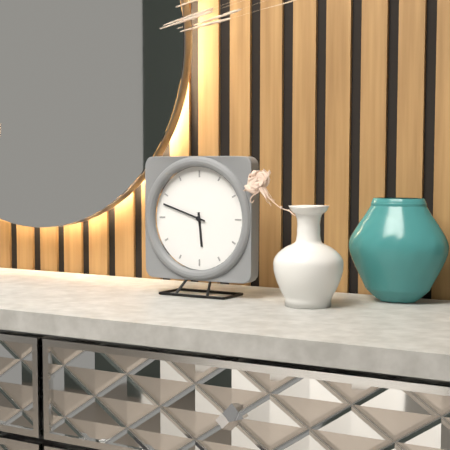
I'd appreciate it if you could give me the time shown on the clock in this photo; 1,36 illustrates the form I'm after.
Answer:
5,48
